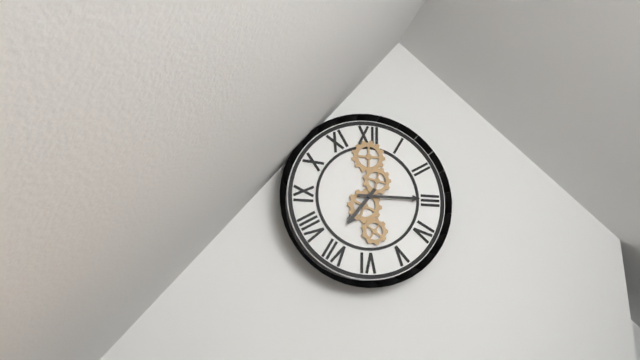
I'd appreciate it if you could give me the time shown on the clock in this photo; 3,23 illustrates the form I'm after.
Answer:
7,15
